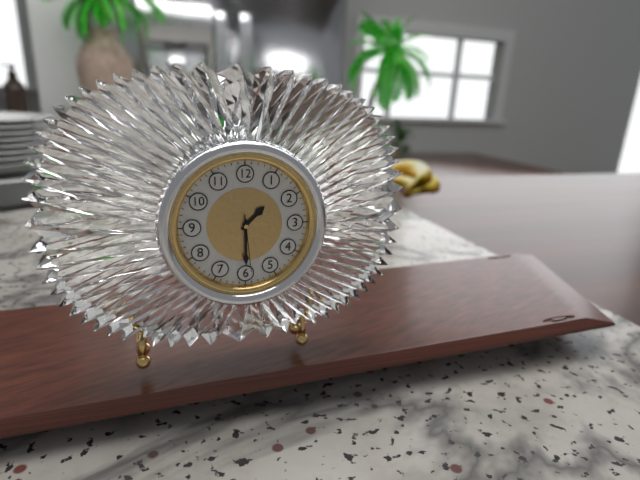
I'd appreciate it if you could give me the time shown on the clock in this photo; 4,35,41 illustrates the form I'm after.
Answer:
1,30,29
